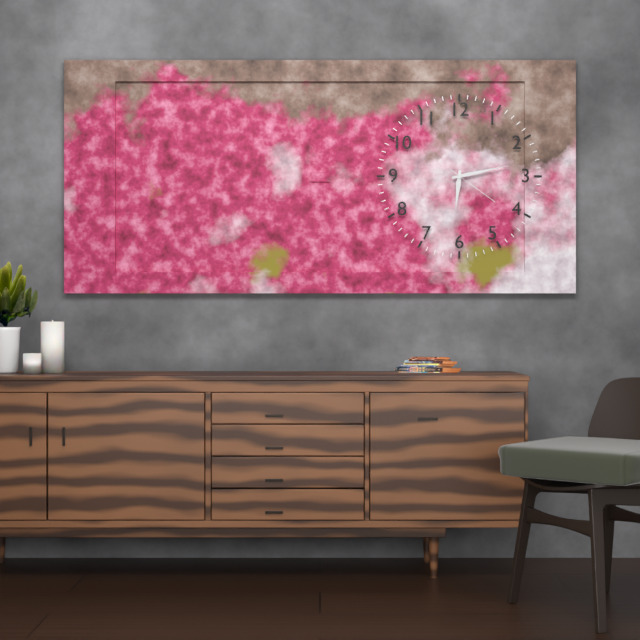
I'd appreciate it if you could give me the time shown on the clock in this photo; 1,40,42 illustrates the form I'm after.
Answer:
6,13,21
